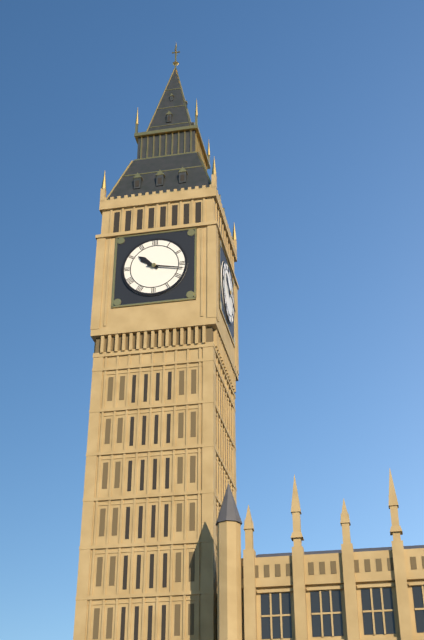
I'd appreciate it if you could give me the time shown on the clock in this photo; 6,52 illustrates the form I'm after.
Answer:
10,17
